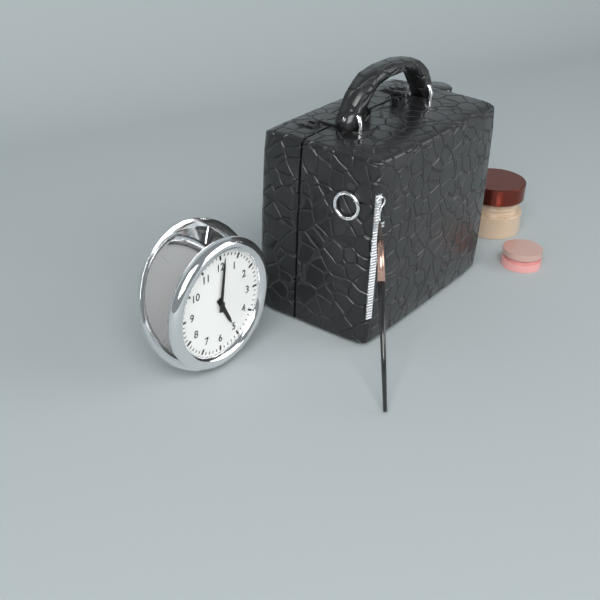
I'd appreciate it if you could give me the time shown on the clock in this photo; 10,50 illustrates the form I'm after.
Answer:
5,01
